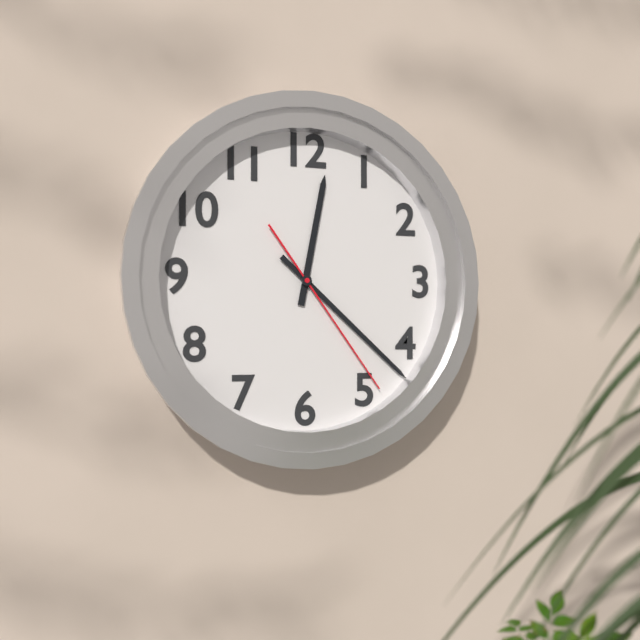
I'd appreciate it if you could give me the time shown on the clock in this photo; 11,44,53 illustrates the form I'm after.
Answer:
12,22,24
